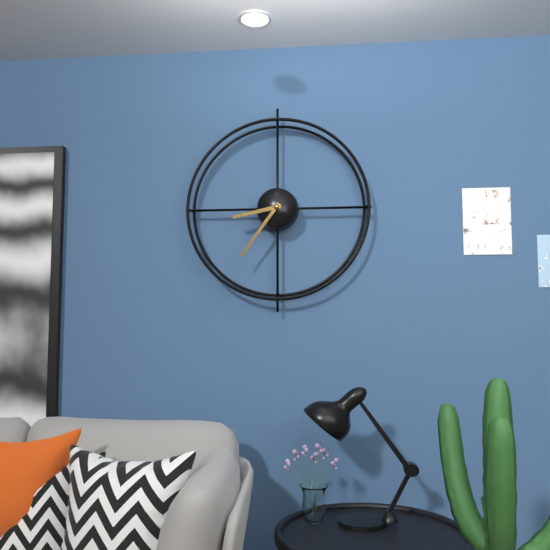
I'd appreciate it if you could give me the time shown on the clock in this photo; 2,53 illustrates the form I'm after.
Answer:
8,36
